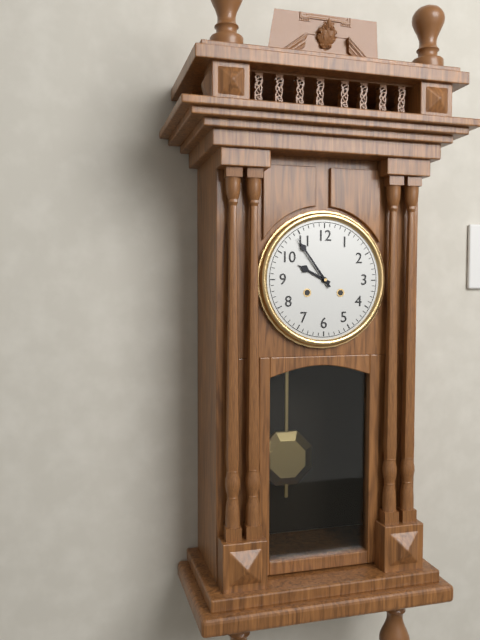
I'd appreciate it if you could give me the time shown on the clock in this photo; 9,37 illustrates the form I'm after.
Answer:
9,54
